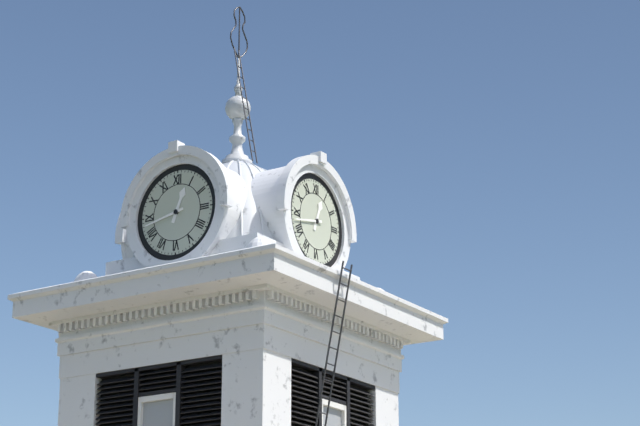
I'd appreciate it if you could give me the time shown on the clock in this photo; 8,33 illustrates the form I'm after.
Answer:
12,43
